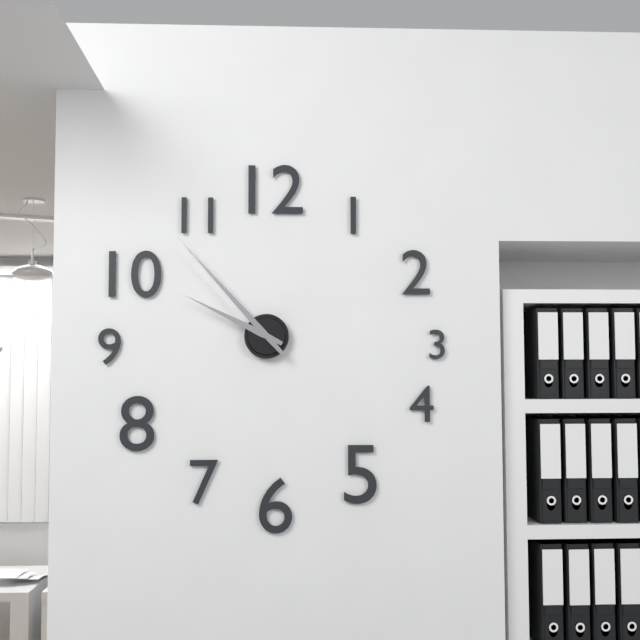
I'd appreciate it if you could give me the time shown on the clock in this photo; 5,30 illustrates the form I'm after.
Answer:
9,53
